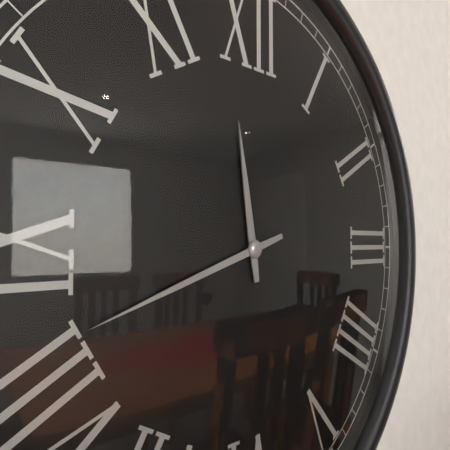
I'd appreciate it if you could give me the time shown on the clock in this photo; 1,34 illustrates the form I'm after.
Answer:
11,42
